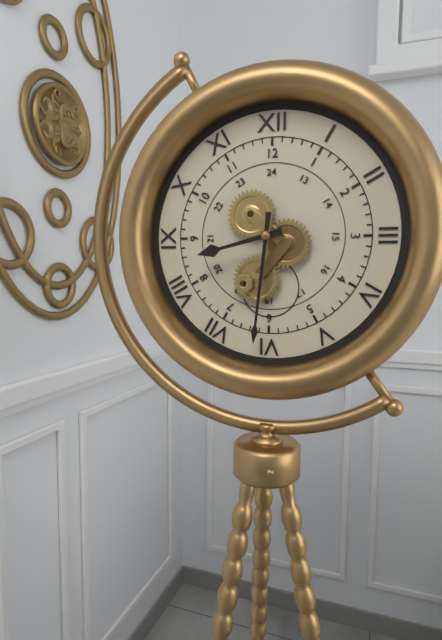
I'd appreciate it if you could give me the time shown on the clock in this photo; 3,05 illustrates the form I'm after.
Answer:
8,31
